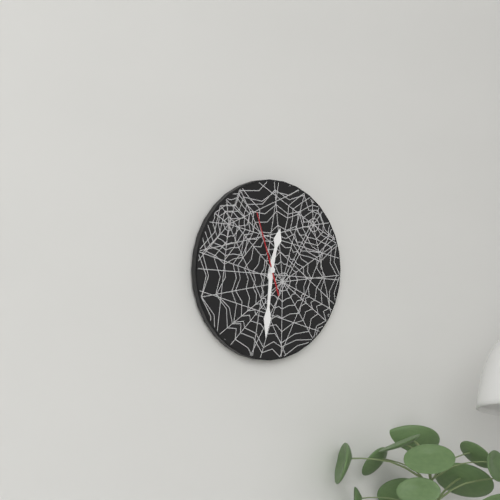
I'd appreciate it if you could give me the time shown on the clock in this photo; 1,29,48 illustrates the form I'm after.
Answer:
12,31,57
